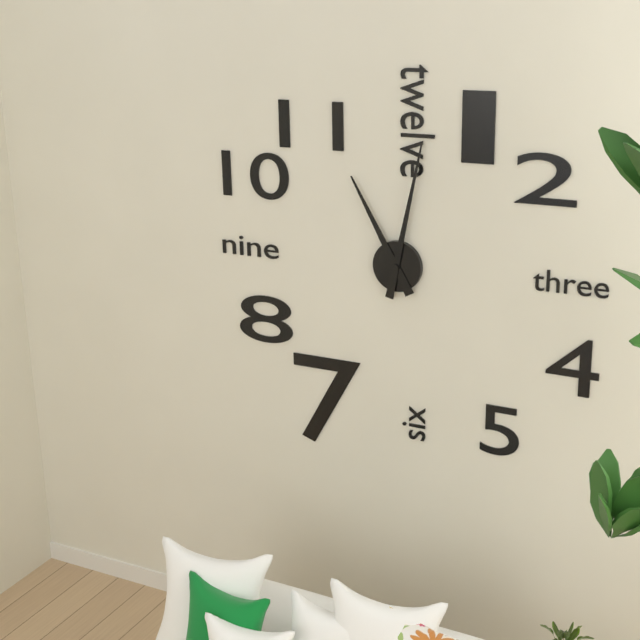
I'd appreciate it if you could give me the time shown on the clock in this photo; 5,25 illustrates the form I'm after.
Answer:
11,02
